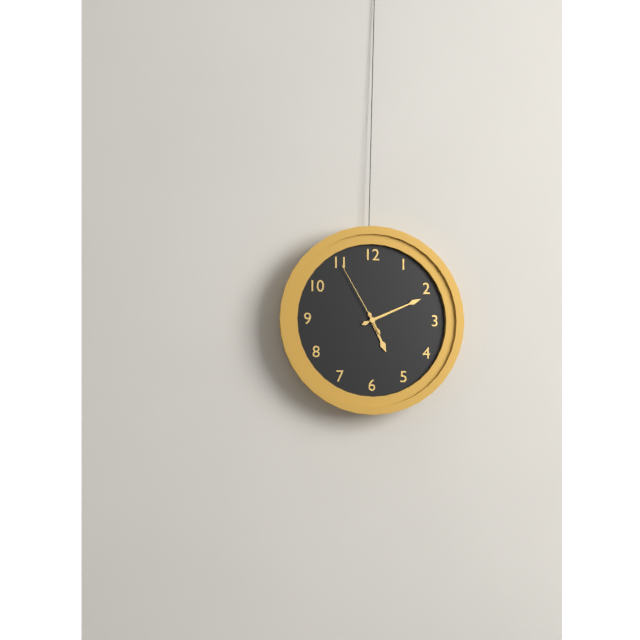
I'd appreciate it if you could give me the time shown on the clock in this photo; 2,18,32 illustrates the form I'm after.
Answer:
5,11,55
